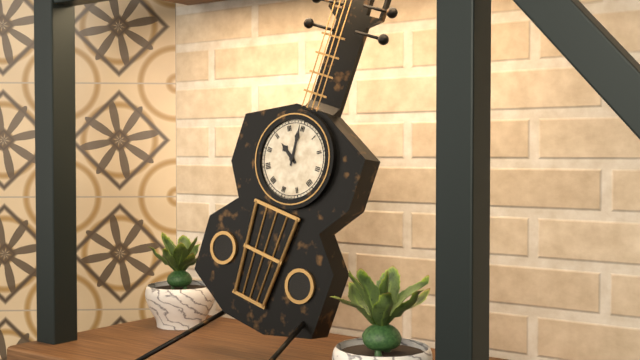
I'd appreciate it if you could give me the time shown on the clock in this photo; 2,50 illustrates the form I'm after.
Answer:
9,59
